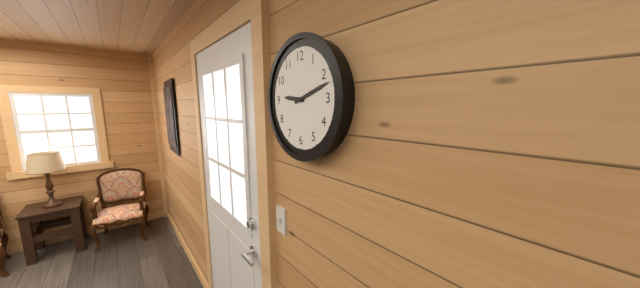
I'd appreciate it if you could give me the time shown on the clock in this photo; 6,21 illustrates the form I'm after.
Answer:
9,12
